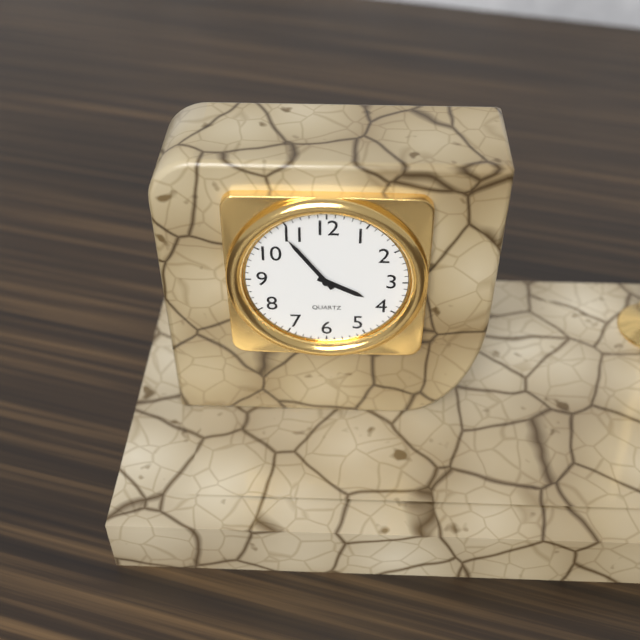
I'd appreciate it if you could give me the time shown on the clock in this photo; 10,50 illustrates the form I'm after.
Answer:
3,54
